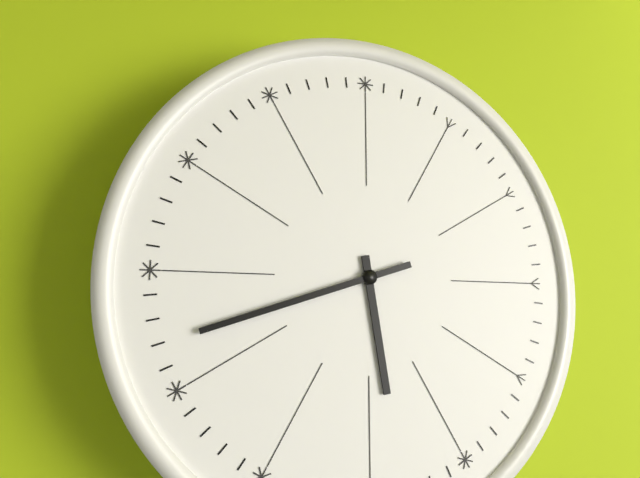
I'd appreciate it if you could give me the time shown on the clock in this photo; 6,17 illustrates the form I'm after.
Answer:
5,42
